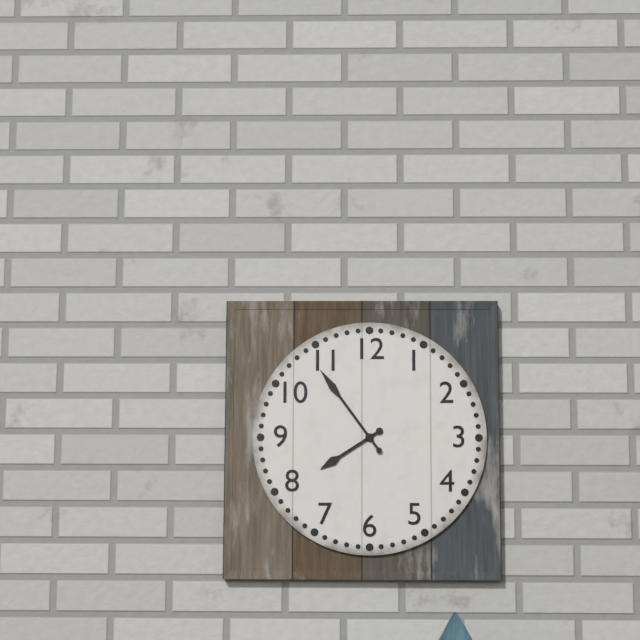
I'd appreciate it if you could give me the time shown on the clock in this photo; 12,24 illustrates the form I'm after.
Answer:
7,54
